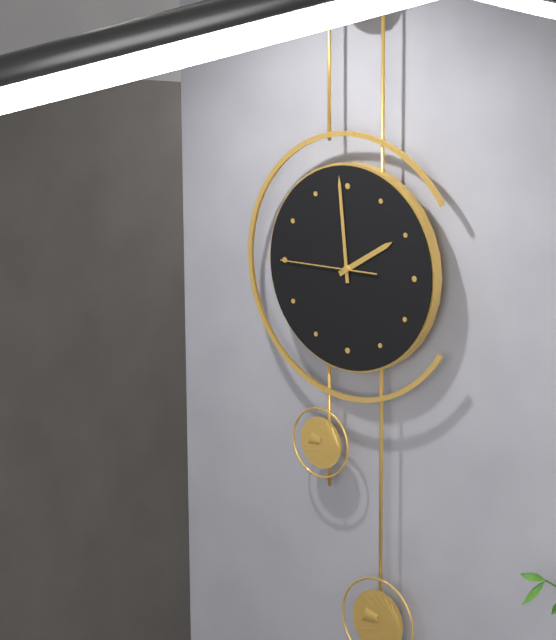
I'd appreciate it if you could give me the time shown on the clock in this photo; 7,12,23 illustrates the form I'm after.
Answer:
1,59,45
